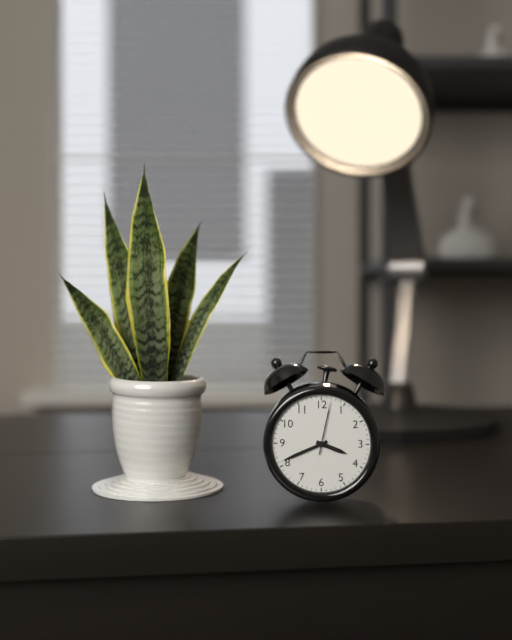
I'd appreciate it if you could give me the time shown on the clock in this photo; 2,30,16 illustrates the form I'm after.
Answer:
3,41,02
